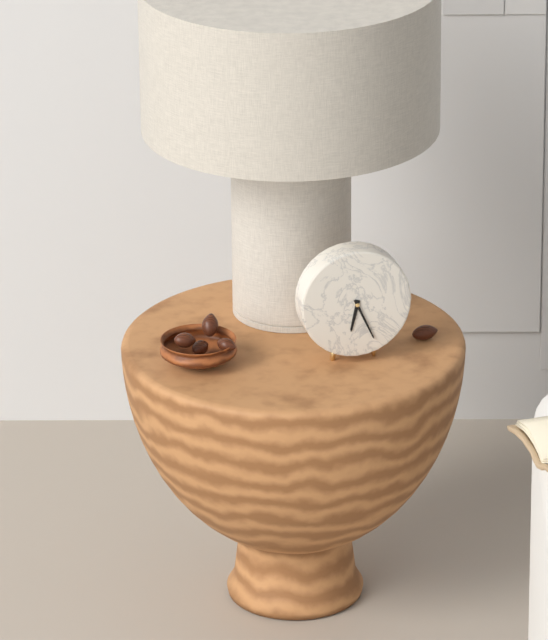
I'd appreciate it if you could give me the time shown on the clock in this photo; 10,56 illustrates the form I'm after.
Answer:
6,26
